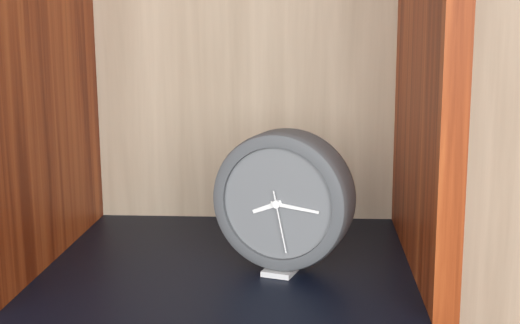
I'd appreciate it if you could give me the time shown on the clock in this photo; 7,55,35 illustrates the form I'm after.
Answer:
8,16,28
